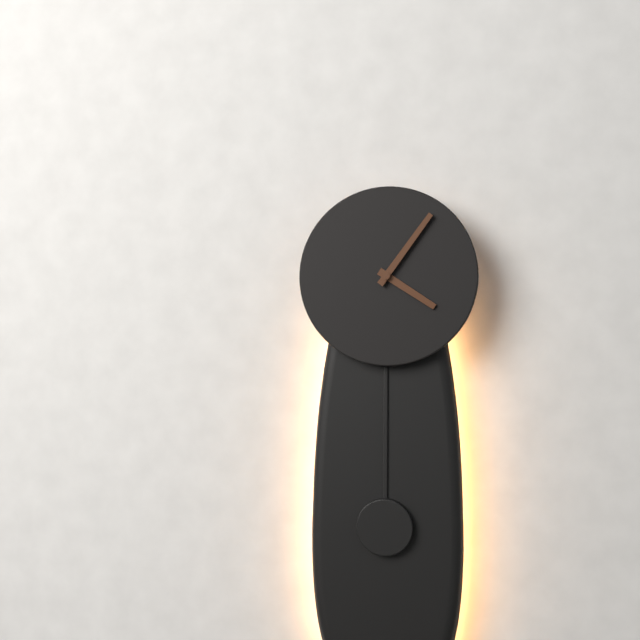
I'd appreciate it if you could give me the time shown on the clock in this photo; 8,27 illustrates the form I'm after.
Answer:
4,06
